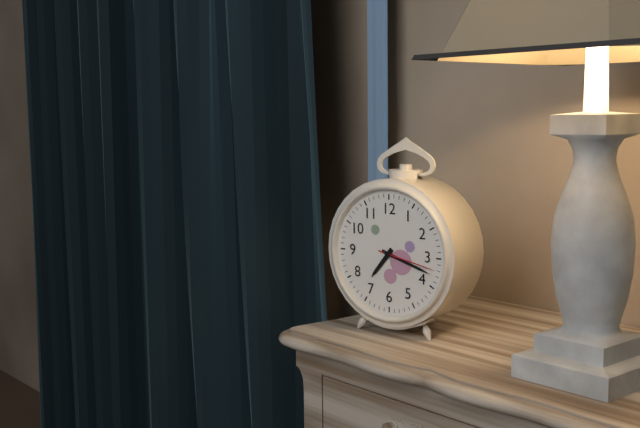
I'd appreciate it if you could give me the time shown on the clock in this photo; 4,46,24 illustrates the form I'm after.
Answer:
7,18,17
